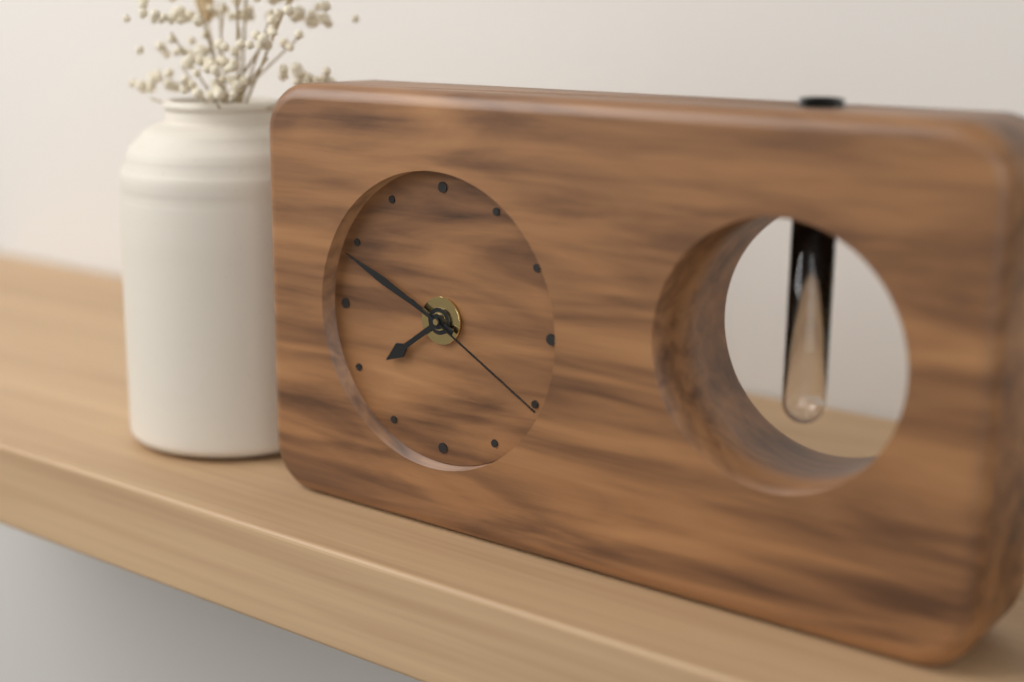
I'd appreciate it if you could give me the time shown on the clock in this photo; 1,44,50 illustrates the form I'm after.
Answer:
7,49,20
